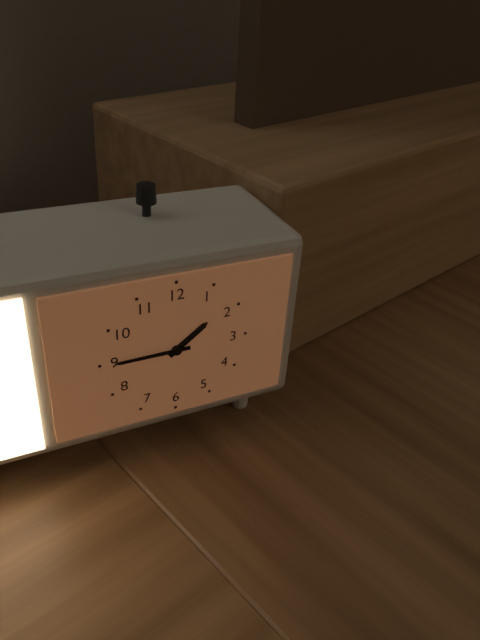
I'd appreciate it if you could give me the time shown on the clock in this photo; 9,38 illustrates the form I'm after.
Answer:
1,45
